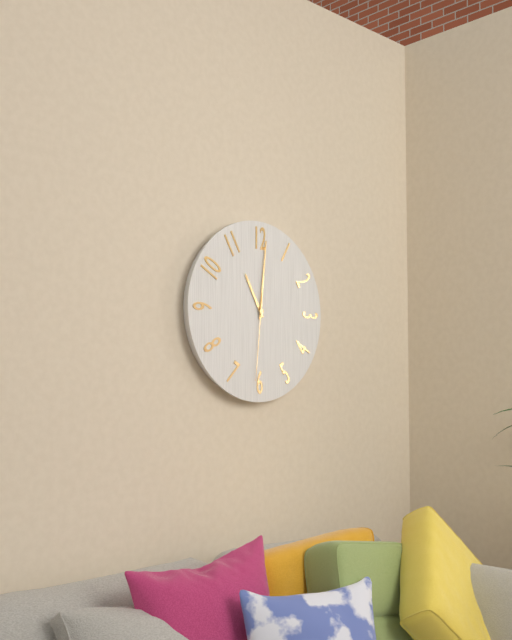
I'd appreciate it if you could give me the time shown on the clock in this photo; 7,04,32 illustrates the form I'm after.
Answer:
11,01,31
